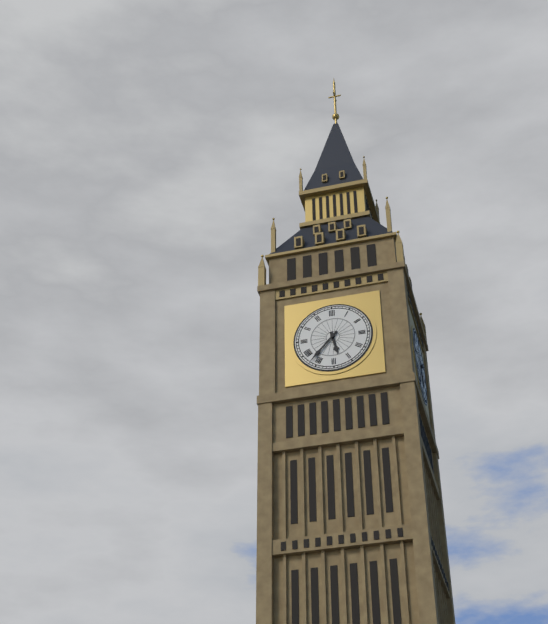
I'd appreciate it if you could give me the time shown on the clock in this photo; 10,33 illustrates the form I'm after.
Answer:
5,37
